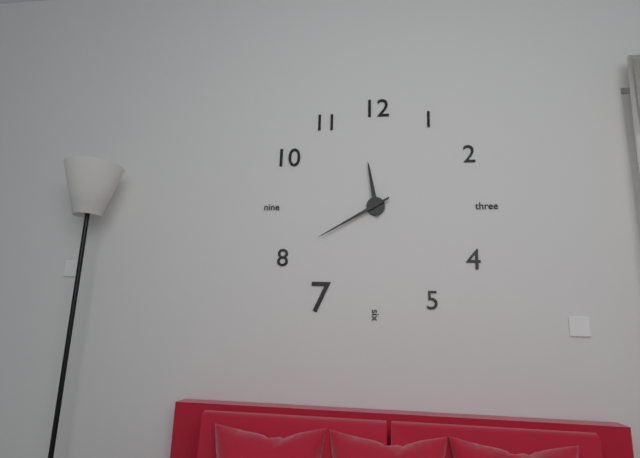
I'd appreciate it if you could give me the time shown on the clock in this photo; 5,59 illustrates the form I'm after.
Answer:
11,40
